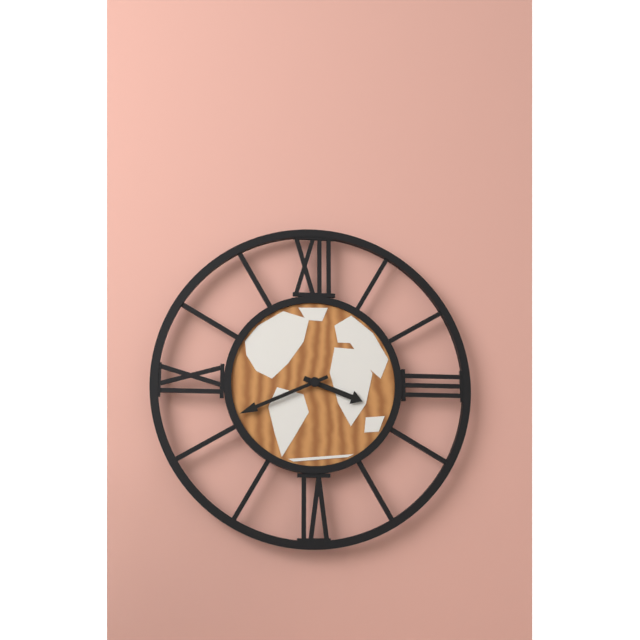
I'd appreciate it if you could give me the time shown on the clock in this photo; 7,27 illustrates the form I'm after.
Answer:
3,41
